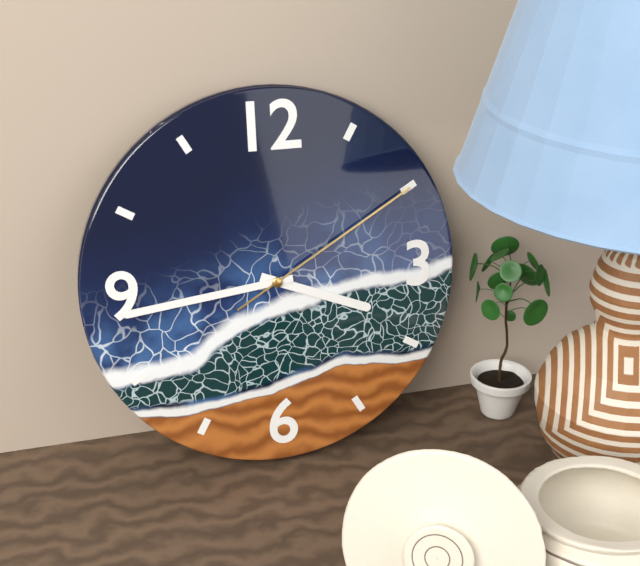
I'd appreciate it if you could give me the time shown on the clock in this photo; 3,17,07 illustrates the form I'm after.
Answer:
3,44,10
